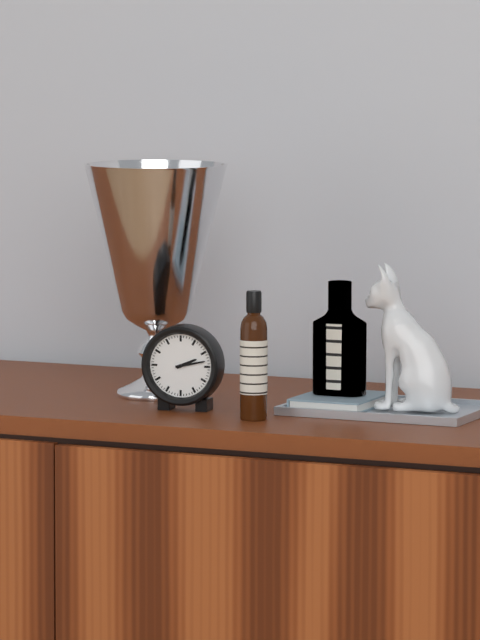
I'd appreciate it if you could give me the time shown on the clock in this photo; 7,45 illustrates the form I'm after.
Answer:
2,13
